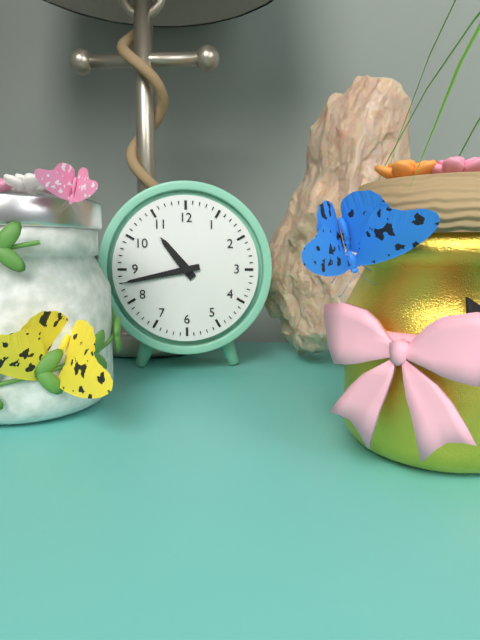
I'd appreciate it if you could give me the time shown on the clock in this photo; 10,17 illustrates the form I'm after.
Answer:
10,43
